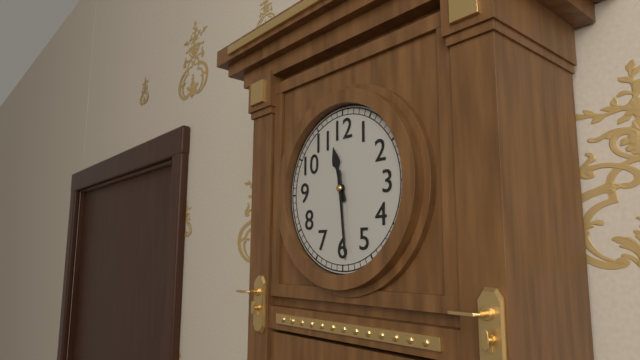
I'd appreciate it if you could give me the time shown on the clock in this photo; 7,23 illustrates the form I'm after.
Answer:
11,29
